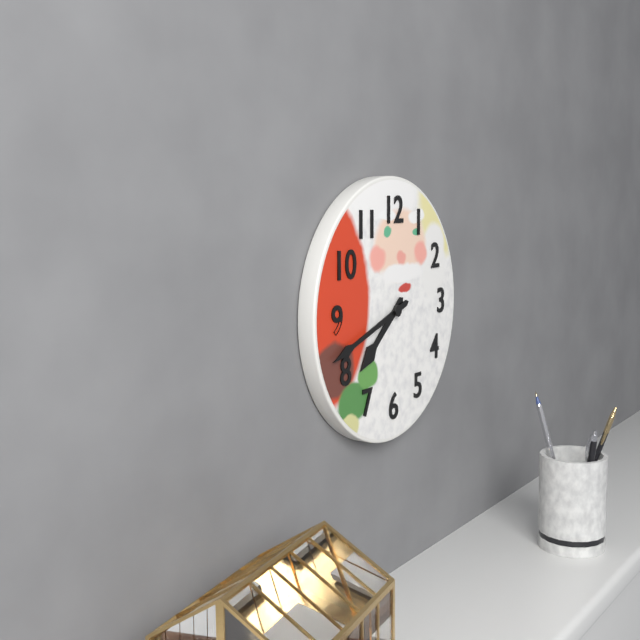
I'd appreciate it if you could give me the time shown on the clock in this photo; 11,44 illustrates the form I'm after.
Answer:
7,42
